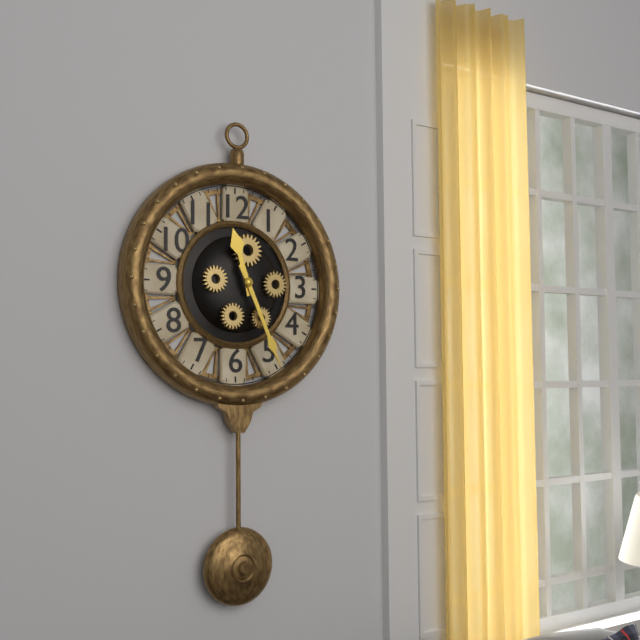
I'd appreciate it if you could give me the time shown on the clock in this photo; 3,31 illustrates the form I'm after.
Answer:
11,26
